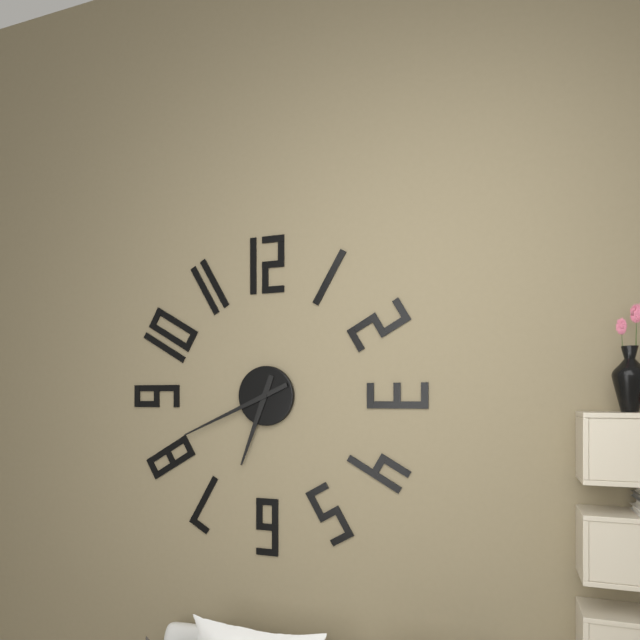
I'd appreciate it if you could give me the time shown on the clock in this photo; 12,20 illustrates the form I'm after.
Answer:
6,41
